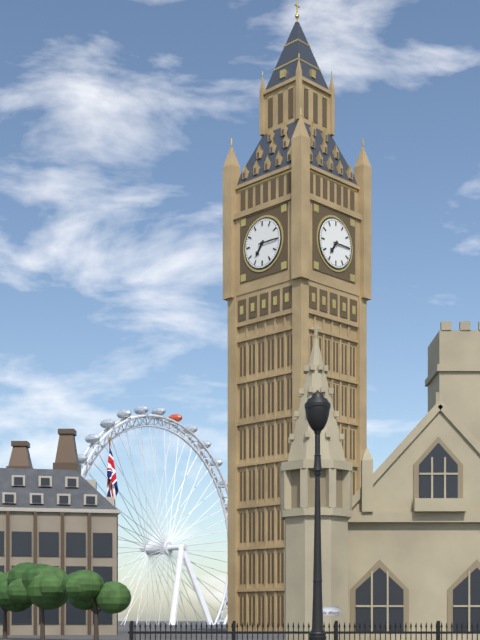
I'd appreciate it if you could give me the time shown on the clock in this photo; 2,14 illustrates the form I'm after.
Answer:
7,15
